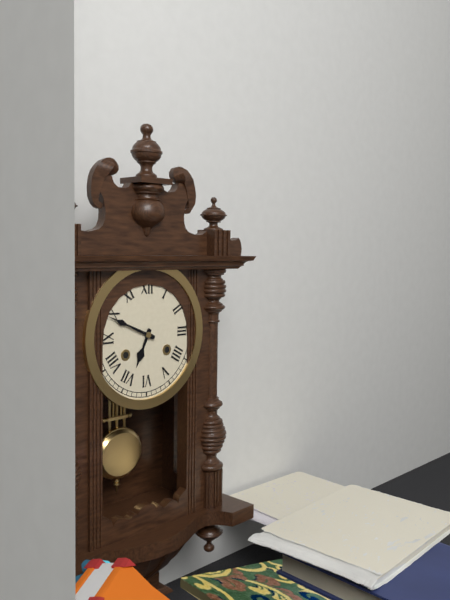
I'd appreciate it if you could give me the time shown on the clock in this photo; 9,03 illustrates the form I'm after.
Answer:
6,49
